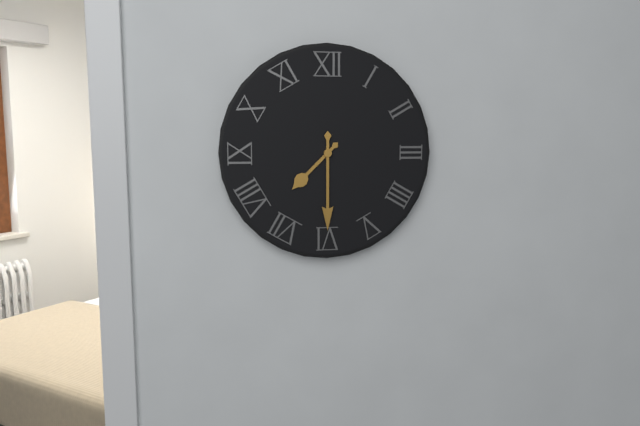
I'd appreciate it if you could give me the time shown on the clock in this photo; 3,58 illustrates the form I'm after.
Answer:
7,30
